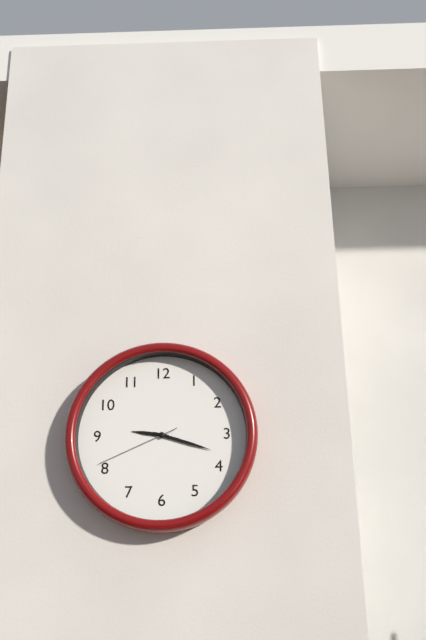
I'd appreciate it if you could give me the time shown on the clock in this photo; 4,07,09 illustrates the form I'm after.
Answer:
9,18,41
